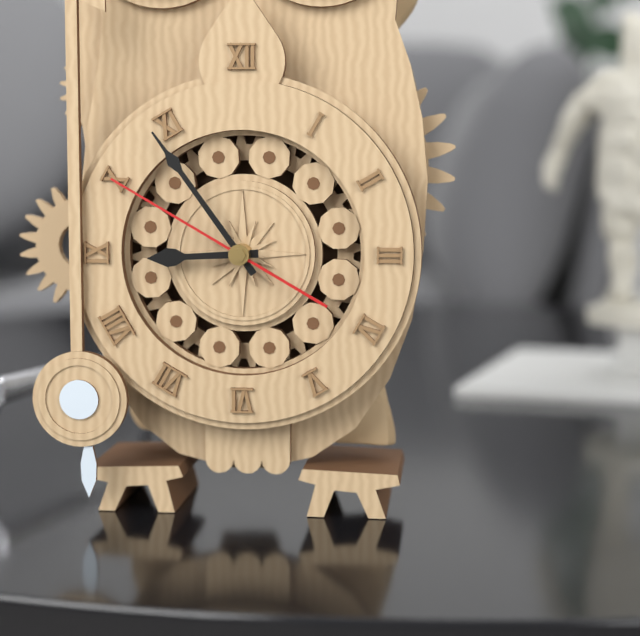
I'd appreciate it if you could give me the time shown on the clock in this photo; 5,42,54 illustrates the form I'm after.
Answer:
8,54,50
